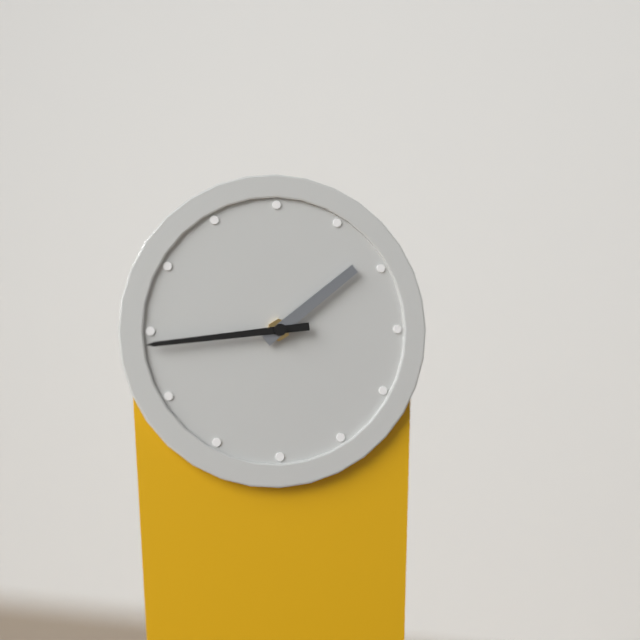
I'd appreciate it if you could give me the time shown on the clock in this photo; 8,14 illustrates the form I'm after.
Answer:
1,44
